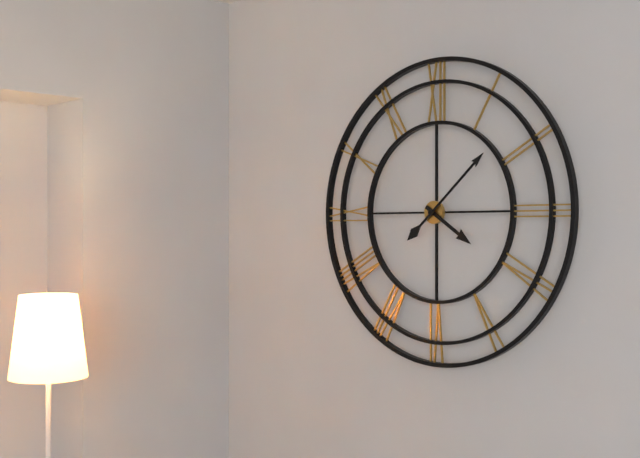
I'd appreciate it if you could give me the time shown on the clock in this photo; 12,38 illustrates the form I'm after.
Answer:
4,08
